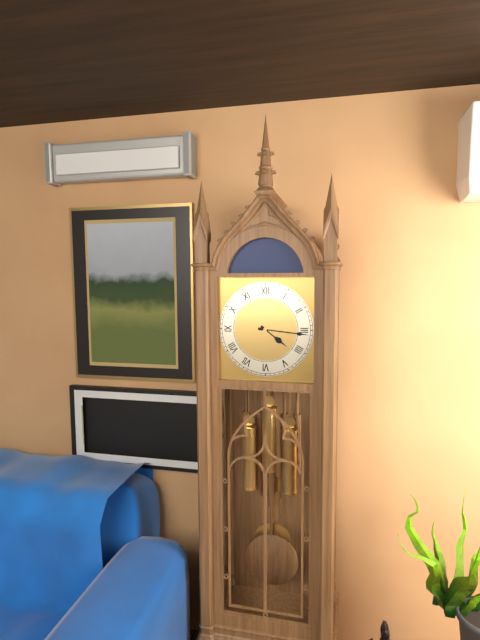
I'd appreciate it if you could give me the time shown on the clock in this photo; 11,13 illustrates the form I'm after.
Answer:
4,16
